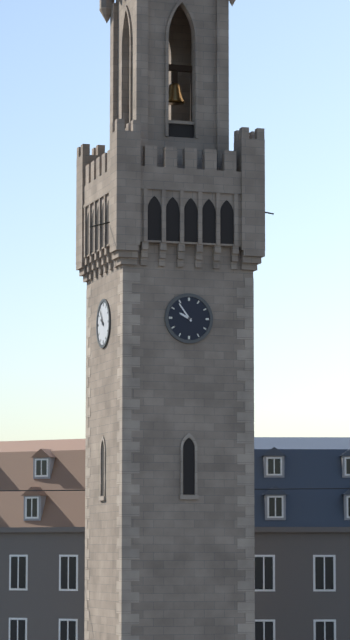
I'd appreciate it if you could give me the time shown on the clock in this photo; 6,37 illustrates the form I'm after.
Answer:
9,54
